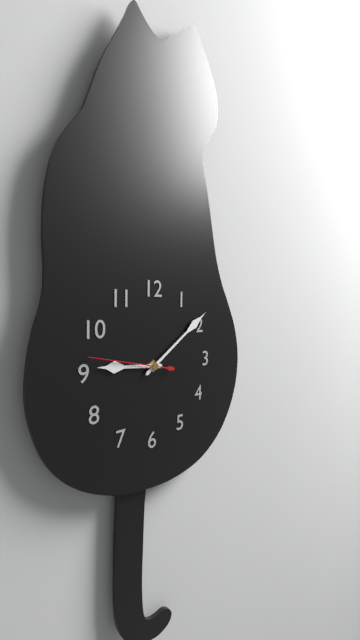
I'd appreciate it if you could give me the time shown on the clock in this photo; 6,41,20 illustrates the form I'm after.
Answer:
9,09,47
